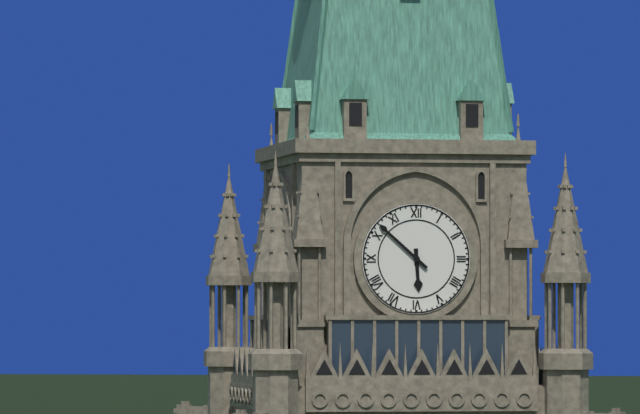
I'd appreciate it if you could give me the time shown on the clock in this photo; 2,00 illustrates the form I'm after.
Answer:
5,52
